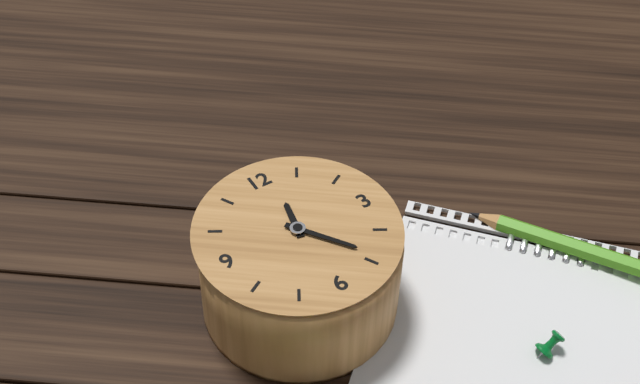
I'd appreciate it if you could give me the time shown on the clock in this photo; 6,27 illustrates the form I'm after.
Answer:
12,24
